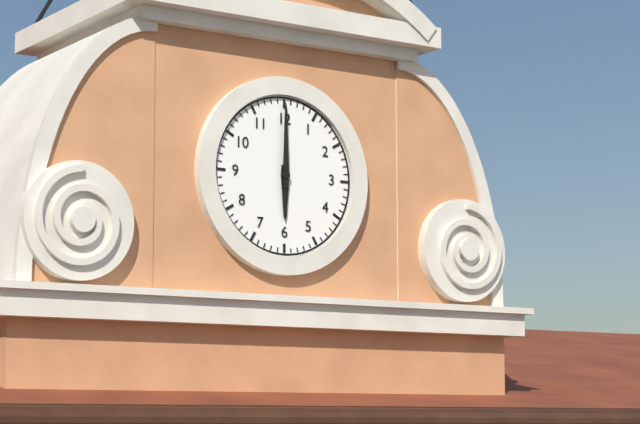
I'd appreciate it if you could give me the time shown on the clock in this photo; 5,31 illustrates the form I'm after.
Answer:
6,00
